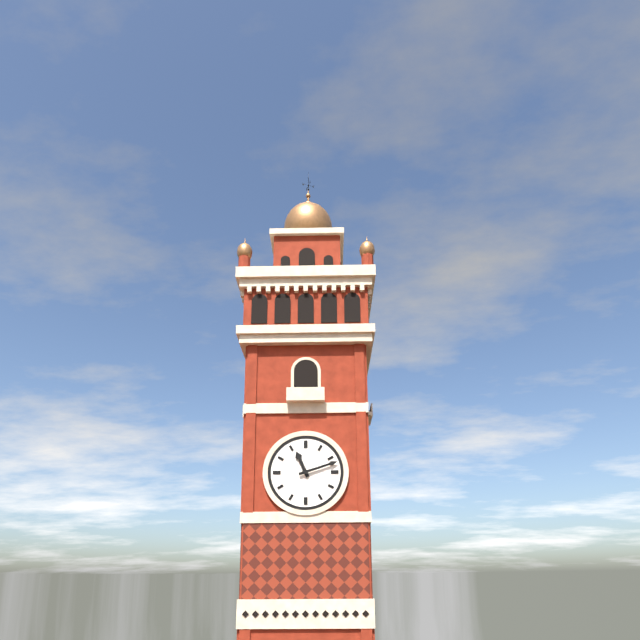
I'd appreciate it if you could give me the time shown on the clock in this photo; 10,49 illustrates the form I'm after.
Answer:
11,12
